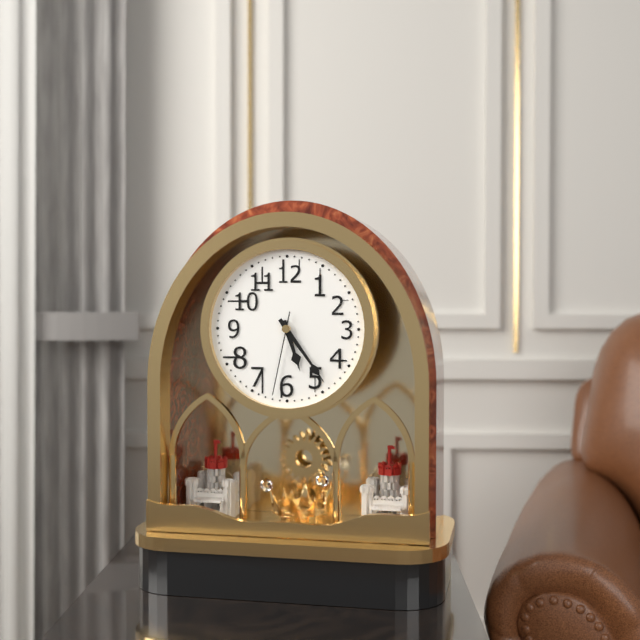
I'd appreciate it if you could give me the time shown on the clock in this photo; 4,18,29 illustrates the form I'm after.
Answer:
5,24,32
